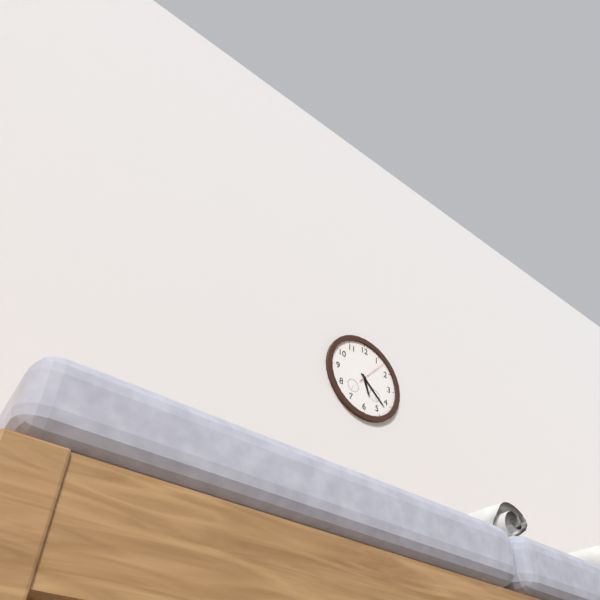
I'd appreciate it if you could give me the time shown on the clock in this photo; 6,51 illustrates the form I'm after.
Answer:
5,22
